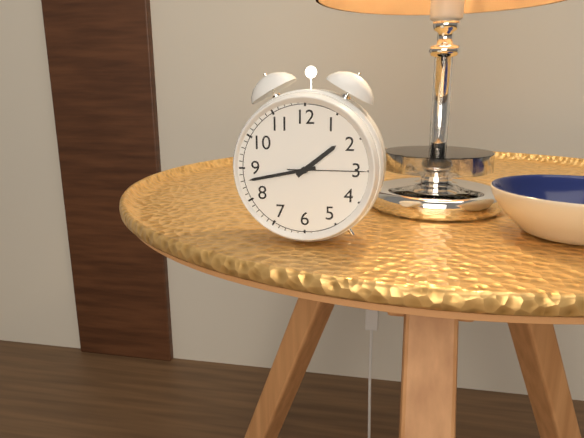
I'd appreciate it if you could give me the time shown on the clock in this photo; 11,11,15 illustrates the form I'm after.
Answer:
1,43,15
